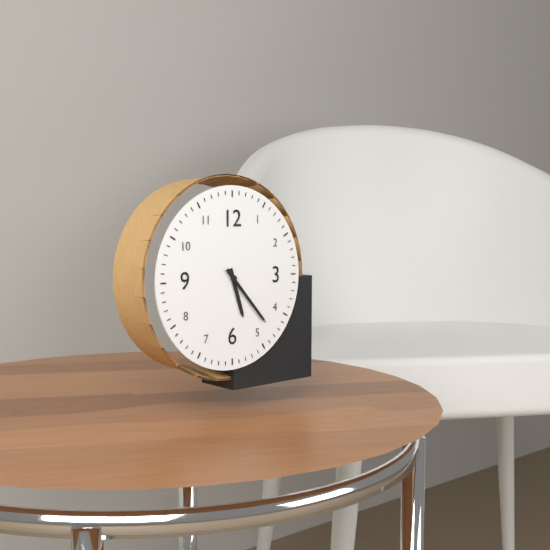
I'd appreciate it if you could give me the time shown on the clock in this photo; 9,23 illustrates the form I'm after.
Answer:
5,23
